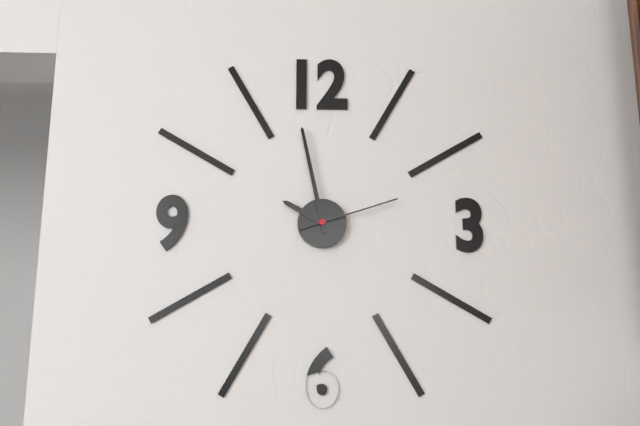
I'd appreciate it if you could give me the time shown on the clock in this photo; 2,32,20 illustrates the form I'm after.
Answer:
9,58,12
